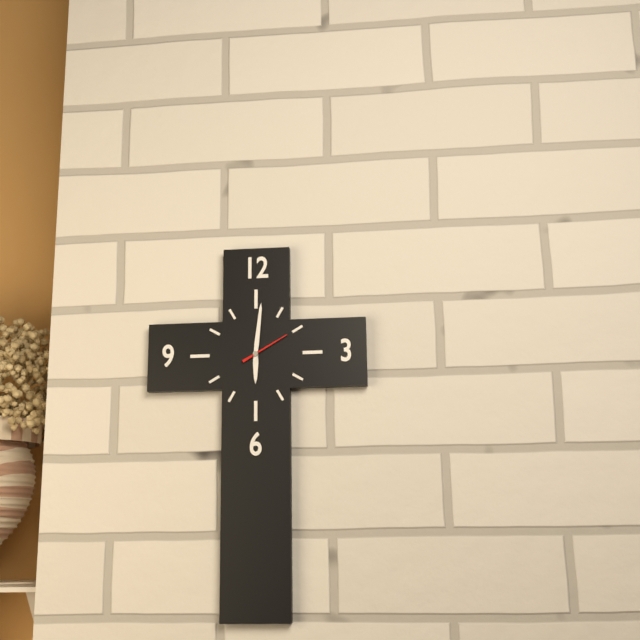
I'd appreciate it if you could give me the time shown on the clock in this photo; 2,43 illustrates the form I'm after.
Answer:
6,01
